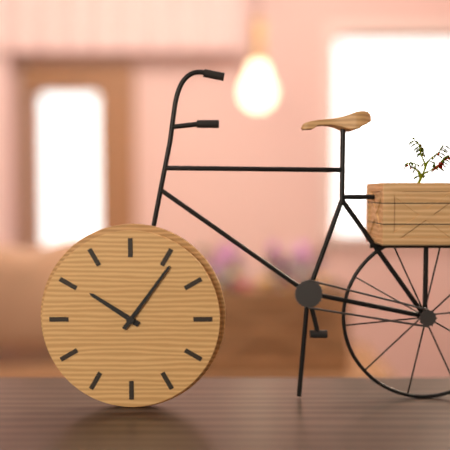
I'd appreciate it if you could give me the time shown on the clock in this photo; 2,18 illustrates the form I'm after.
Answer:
10,06
